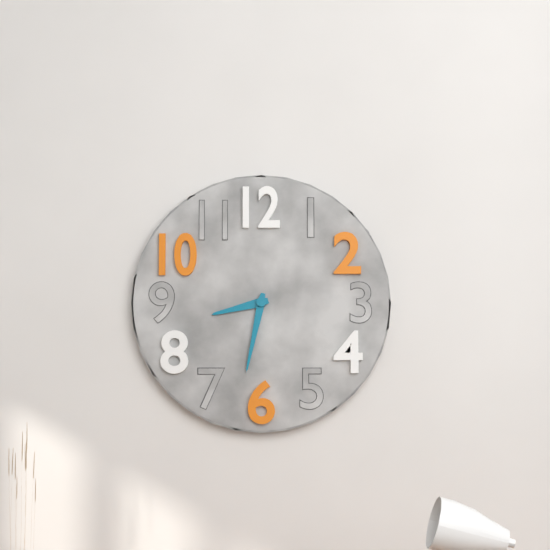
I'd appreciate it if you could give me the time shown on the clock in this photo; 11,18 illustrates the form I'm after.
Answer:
8,32
